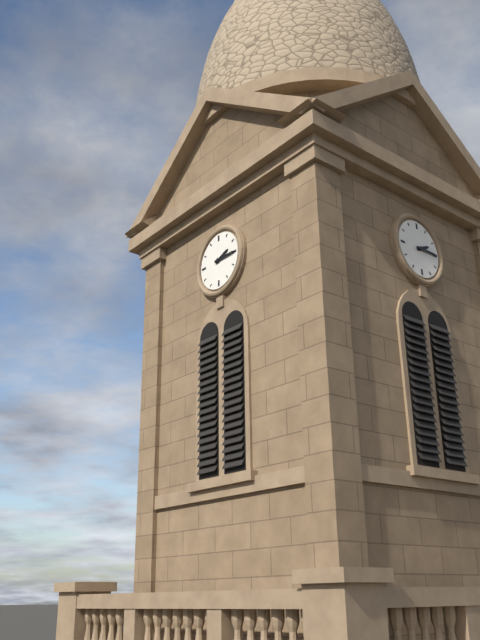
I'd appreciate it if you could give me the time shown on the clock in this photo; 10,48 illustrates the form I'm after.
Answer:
2,15
